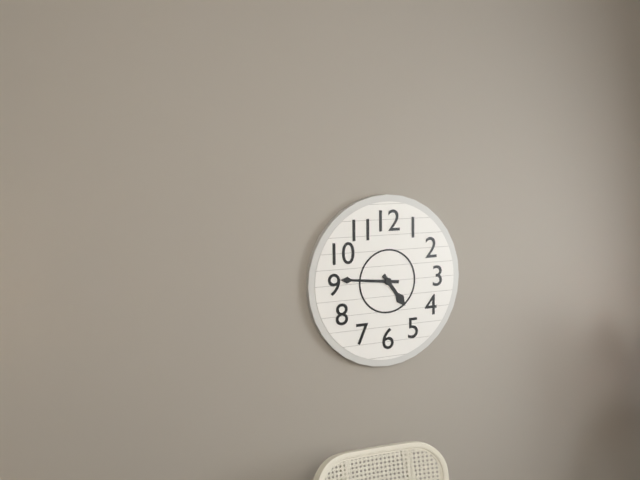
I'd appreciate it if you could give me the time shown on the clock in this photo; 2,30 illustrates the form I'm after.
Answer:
4,46
